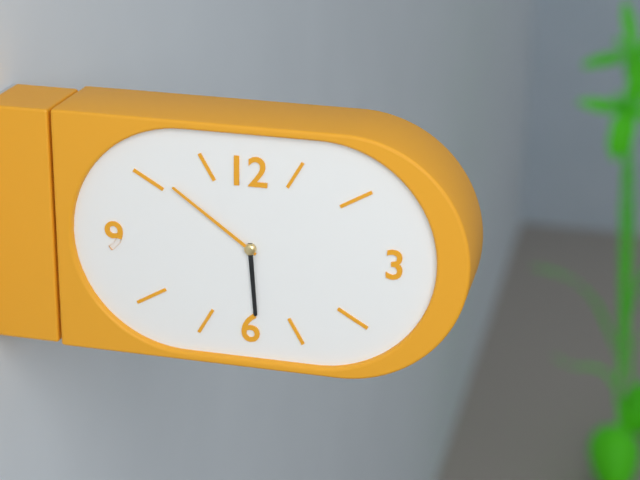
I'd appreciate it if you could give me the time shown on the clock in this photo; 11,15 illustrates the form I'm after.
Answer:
5,51
